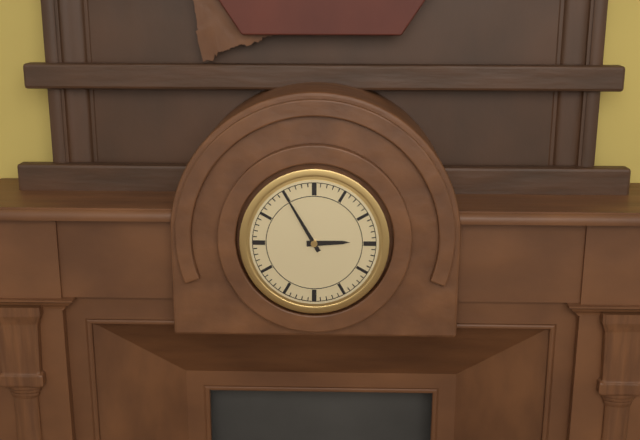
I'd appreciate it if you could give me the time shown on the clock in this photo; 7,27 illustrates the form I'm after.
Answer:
2,55
